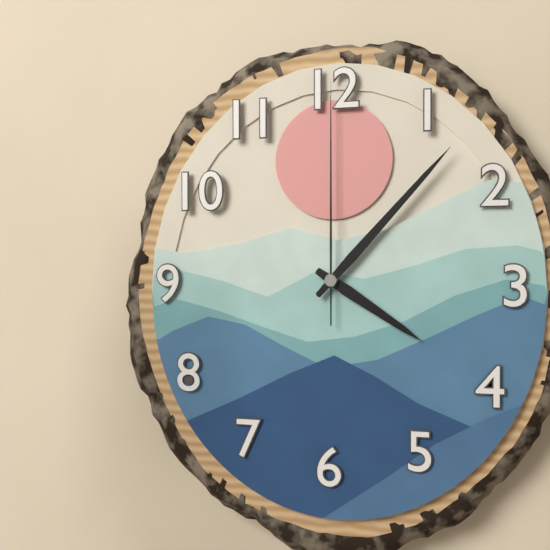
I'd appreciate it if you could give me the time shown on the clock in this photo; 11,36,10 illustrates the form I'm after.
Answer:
4,07,00
